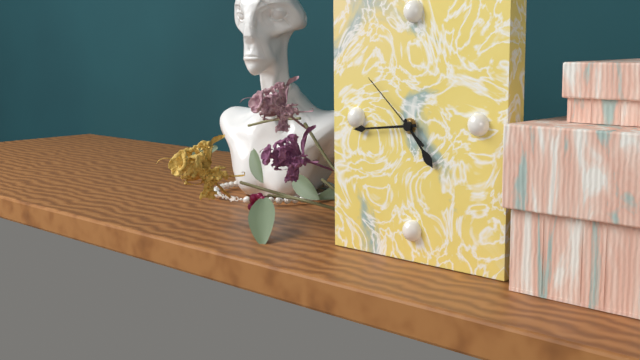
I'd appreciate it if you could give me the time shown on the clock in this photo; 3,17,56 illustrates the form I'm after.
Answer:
4,44,52
